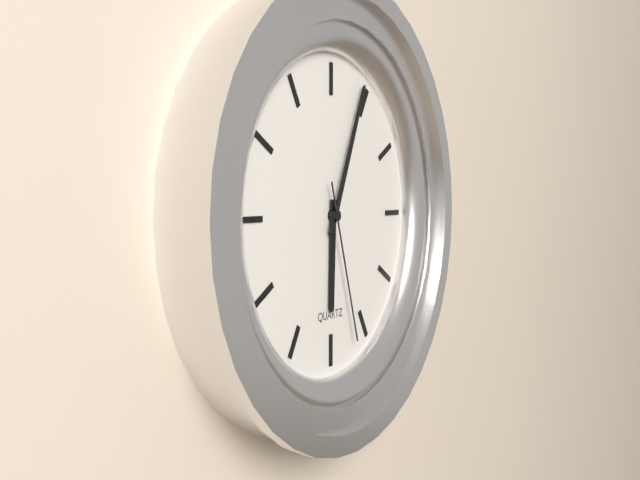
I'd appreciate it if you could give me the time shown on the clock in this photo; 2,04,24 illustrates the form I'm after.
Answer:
6,04,27
